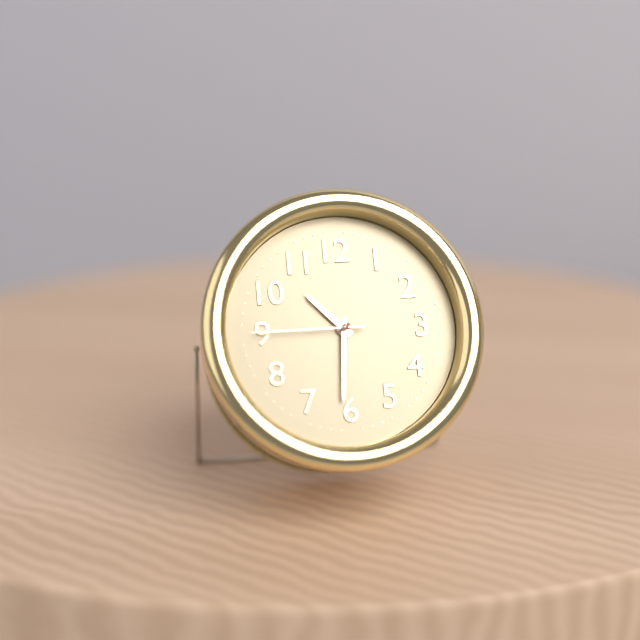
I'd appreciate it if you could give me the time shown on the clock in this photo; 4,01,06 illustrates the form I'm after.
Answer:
10,31,45
